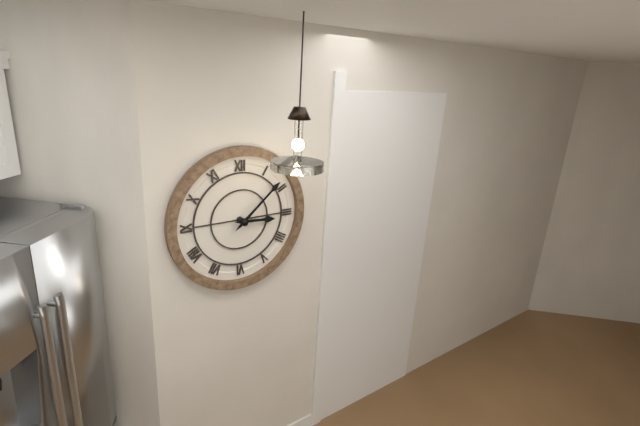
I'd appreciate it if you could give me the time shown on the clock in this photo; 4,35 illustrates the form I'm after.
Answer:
3,08
